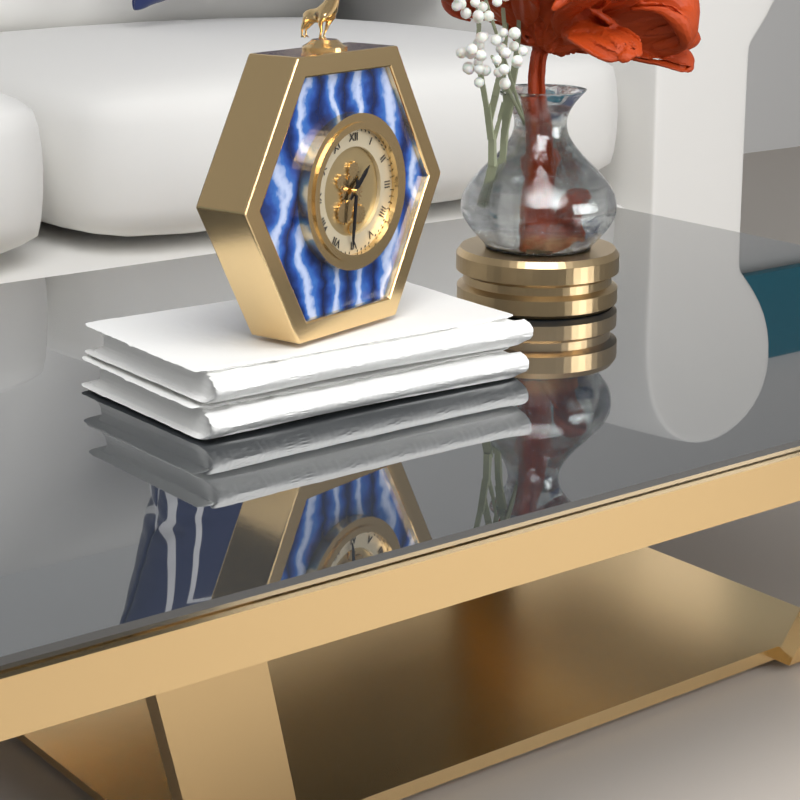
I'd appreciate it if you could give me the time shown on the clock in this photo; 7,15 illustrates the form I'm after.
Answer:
1,31
